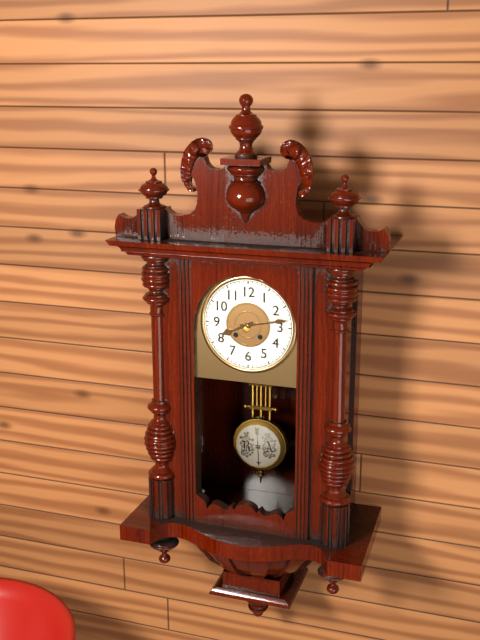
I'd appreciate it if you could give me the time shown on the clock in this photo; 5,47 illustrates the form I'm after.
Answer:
8,13
